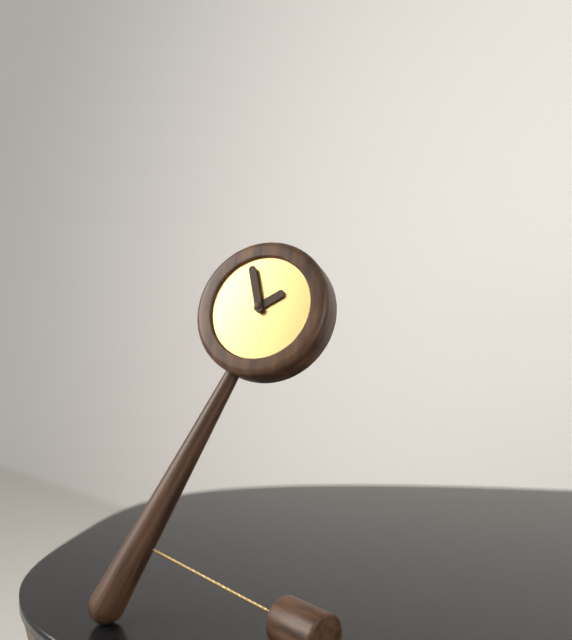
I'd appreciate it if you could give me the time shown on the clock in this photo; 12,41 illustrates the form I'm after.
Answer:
1,57
